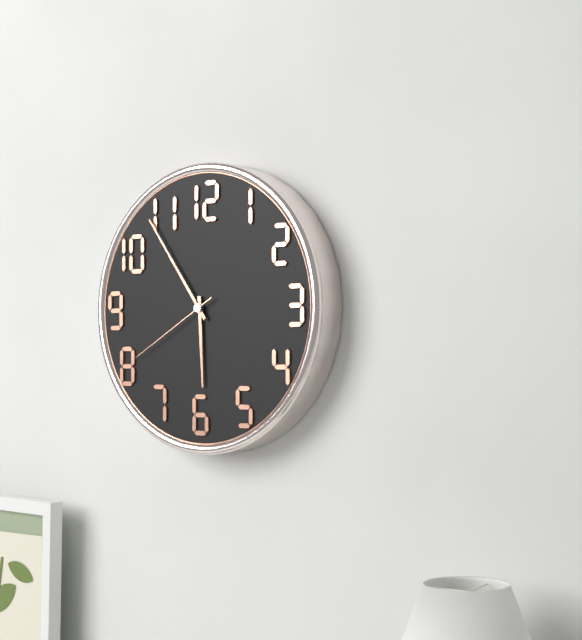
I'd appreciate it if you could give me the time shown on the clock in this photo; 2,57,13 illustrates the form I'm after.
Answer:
5,54,40
